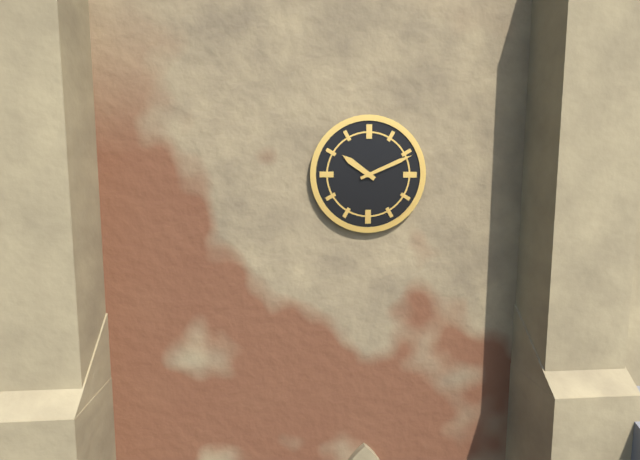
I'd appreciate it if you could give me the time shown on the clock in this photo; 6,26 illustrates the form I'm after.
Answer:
10,11
